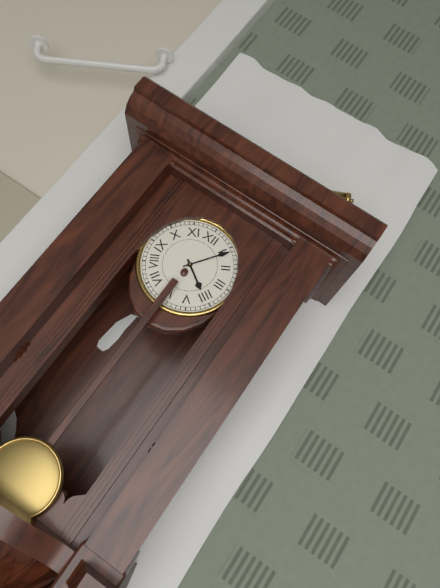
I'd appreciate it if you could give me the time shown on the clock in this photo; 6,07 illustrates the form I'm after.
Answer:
4,06
